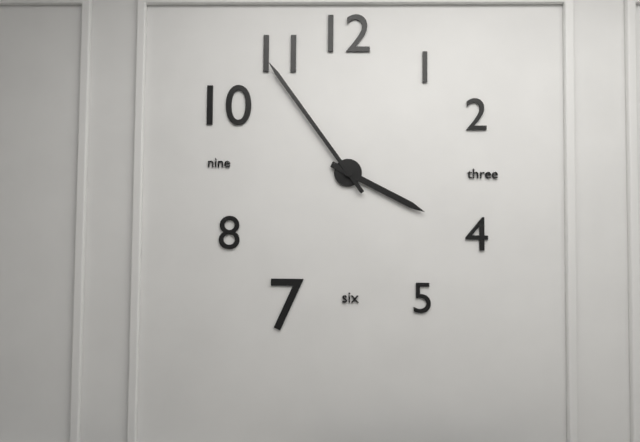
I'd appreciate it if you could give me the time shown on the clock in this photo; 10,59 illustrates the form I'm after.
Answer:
3,54
